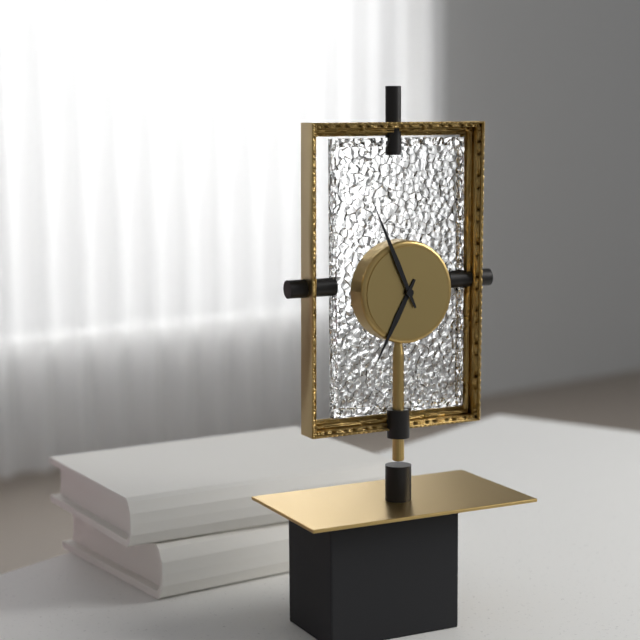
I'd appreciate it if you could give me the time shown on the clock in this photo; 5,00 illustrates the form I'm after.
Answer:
6,56
